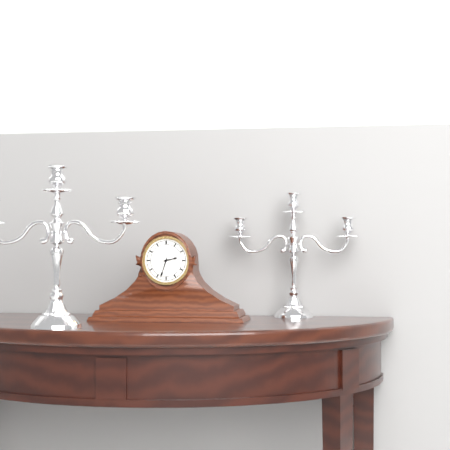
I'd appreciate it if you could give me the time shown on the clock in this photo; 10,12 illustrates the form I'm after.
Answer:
2,33
